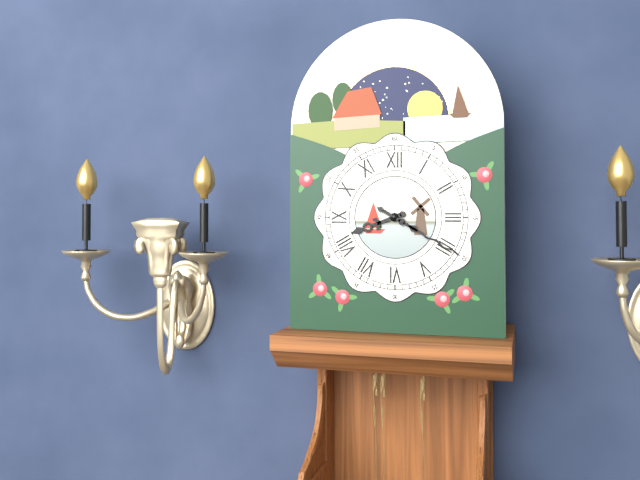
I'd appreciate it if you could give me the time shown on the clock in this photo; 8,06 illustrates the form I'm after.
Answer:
8,20
